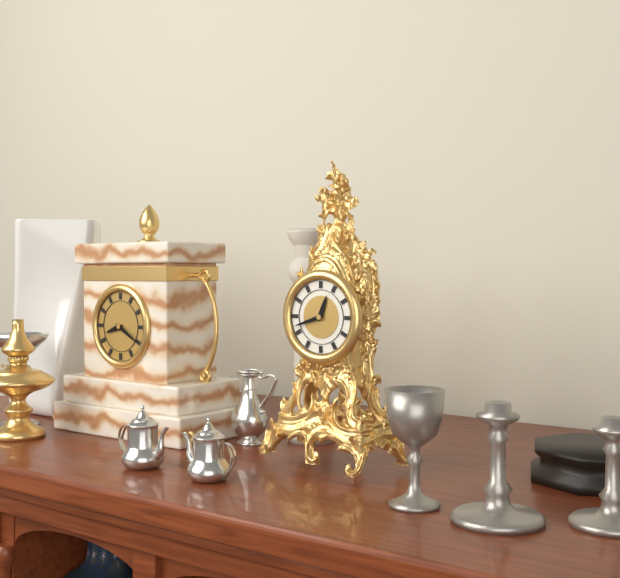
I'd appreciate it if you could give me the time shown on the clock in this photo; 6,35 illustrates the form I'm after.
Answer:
12,42
